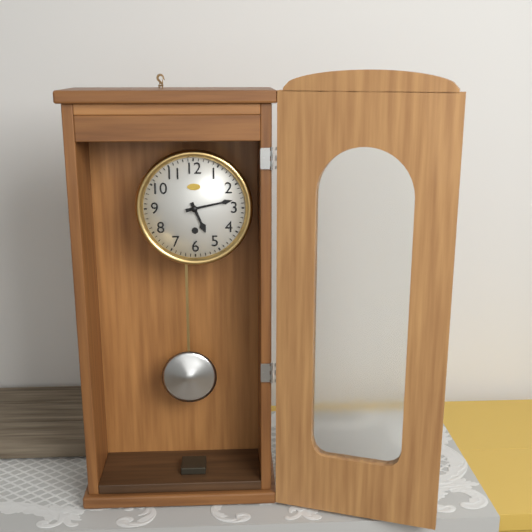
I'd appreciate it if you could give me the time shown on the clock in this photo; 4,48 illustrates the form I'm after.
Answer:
5,13
